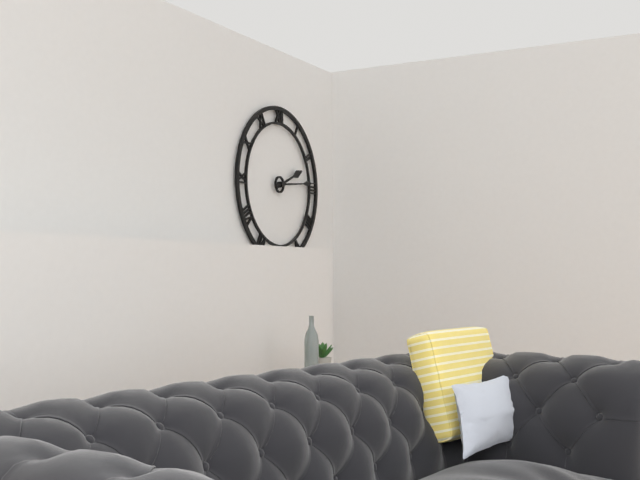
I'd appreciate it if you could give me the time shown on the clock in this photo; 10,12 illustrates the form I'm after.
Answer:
2,14
